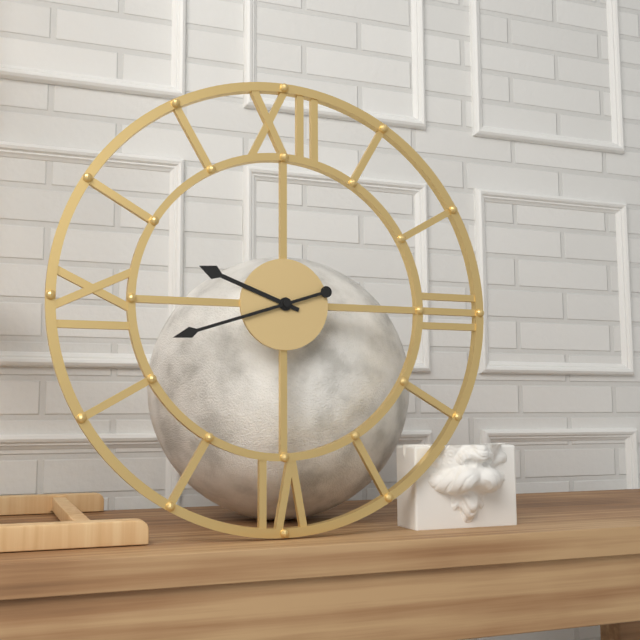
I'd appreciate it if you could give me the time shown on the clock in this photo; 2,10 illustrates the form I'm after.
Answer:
9,42
